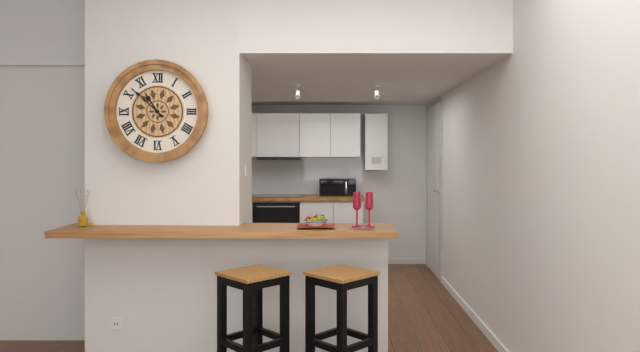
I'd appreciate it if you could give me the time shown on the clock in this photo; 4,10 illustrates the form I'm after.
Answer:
10,52
